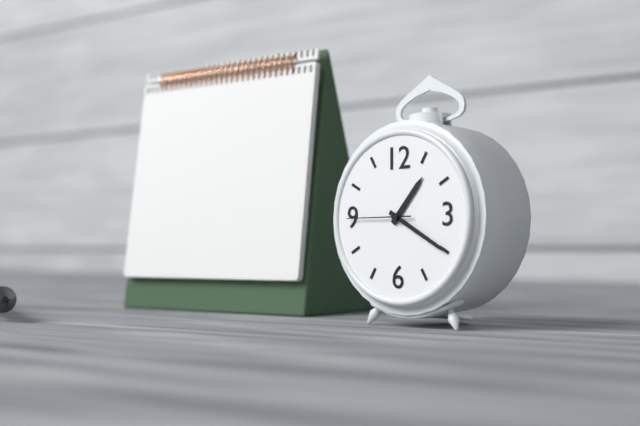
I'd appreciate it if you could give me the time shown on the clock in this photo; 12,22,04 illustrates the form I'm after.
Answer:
1,20,45
